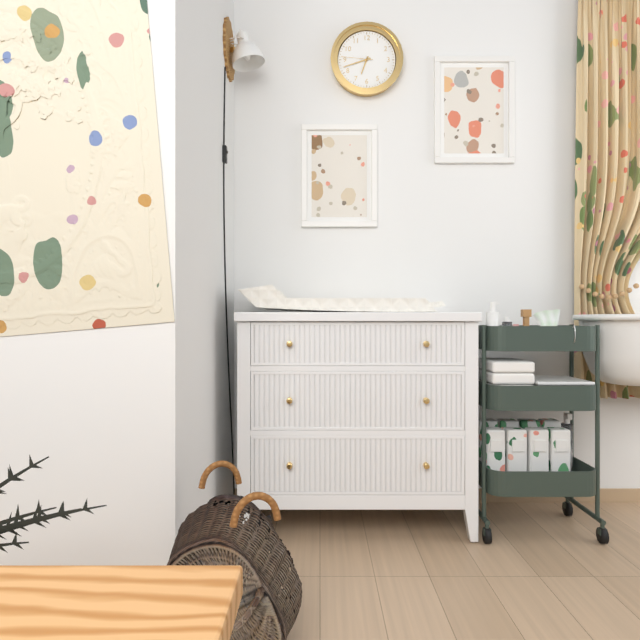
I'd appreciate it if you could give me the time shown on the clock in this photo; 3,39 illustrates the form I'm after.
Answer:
6,42
